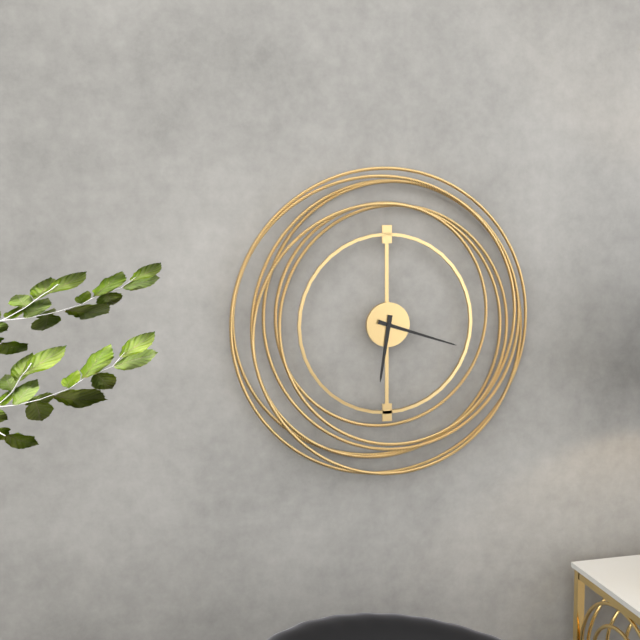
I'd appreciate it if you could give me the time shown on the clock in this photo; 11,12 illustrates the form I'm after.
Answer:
6,18
